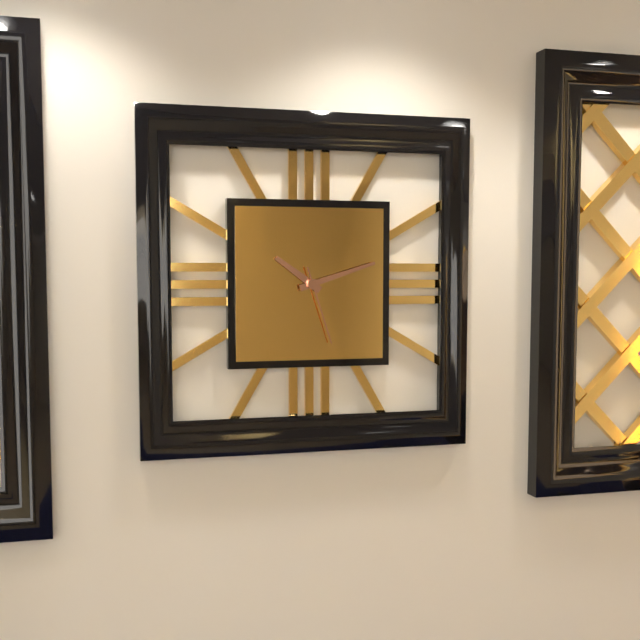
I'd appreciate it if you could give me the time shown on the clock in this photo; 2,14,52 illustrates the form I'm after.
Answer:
10,12,27
